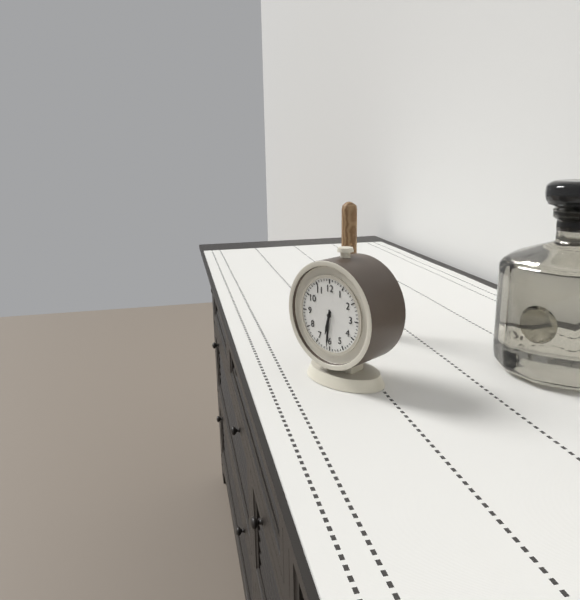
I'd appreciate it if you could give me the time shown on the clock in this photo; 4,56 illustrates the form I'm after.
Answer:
6,31
